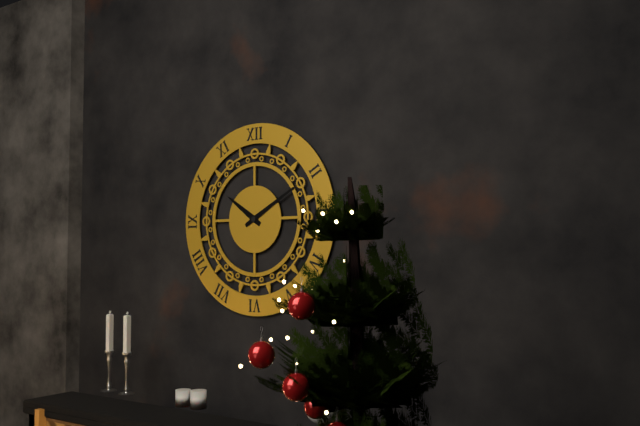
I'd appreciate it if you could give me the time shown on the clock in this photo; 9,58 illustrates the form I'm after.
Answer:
10,10
